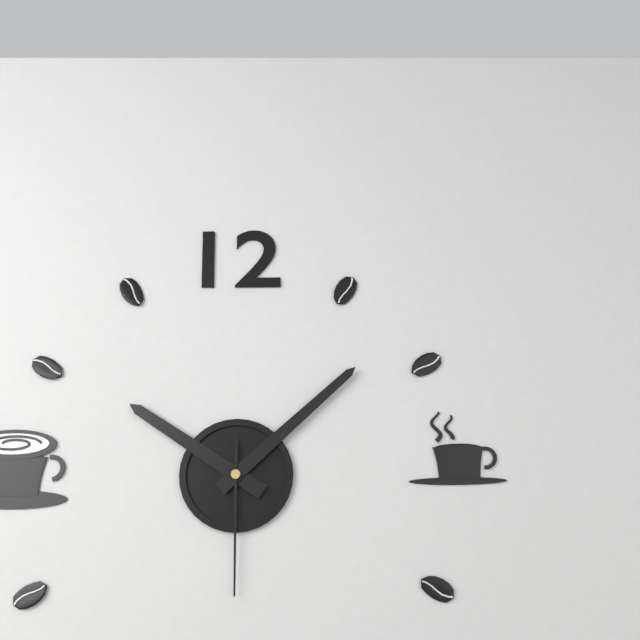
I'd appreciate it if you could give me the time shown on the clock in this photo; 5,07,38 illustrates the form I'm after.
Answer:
10,08,30
